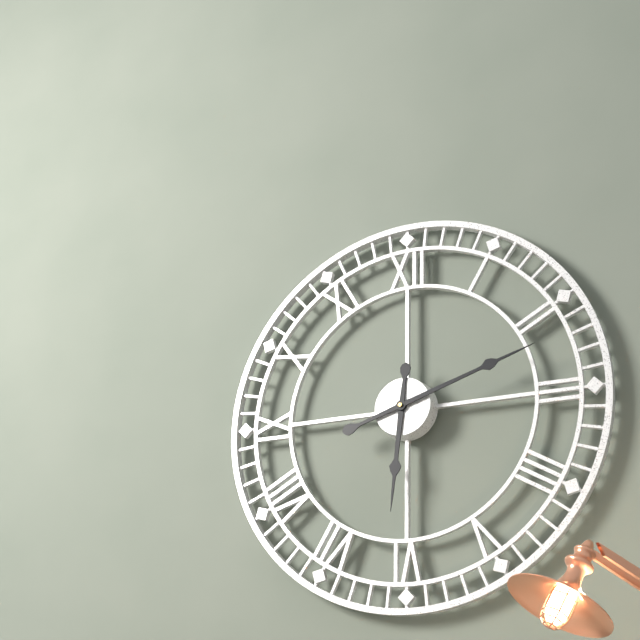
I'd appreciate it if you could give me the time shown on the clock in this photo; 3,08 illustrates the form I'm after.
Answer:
6,12
